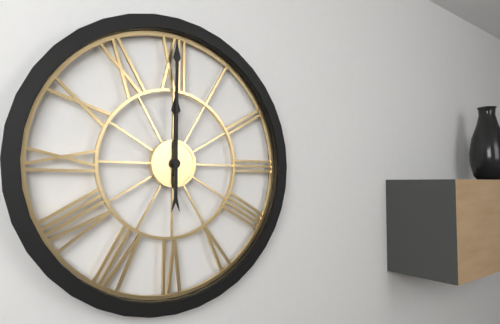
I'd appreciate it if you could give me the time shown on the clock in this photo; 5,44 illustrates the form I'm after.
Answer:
12,00
